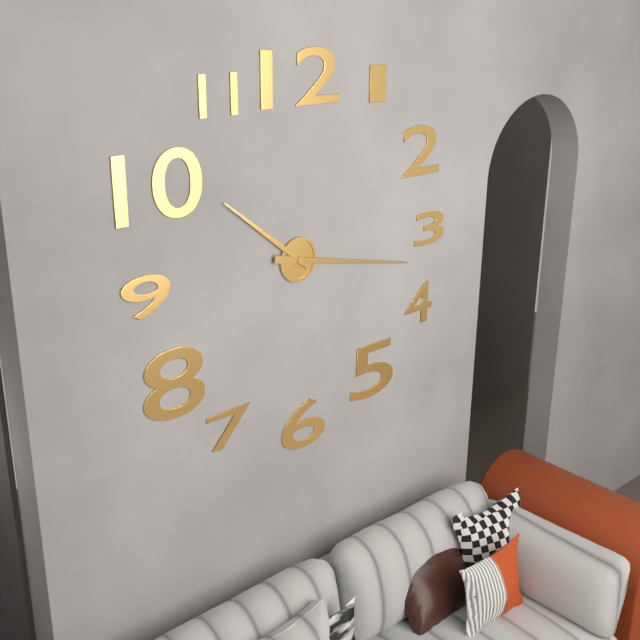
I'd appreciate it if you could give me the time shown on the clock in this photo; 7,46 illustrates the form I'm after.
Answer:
10,17
